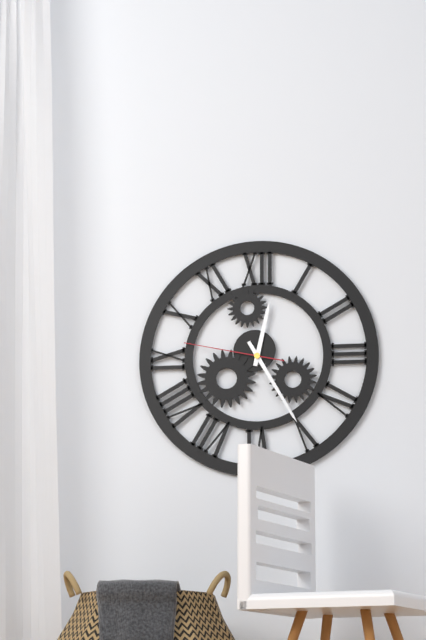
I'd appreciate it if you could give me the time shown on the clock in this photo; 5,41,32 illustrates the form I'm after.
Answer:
12,25,47
